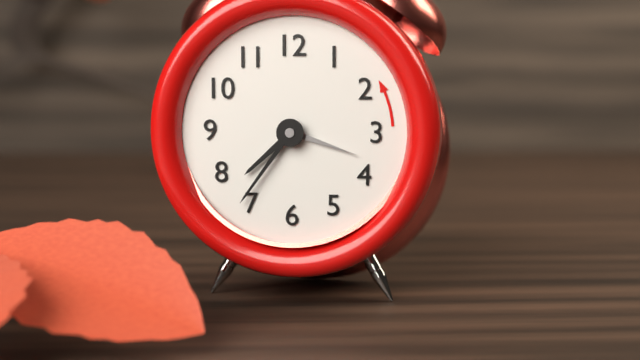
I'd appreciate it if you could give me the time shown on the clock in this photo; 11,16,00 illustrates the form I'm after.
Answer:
7,36,18
